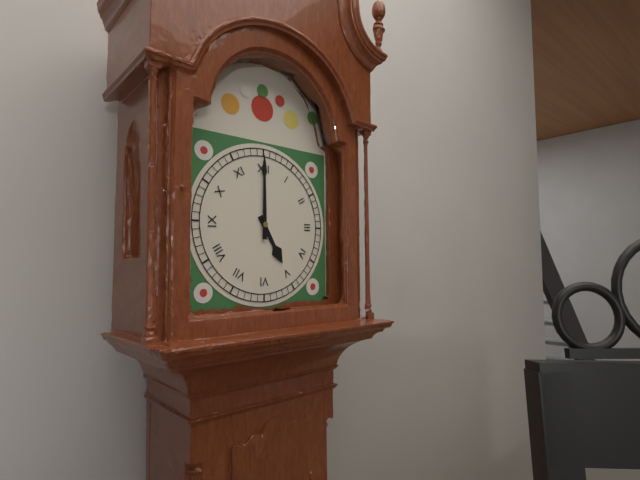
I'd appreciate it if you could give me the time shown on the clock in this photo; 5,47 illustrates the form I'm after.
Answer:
5,00
